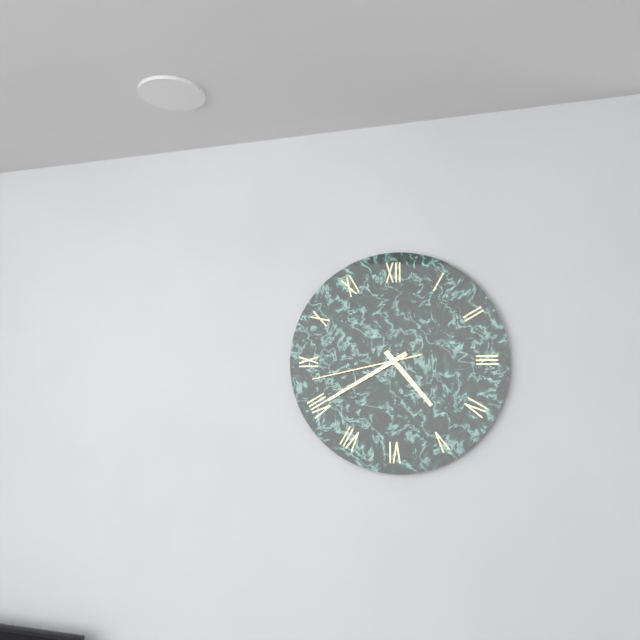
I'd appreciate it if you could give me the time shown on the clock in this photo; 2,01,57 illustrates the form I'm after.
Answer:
4,40,43
